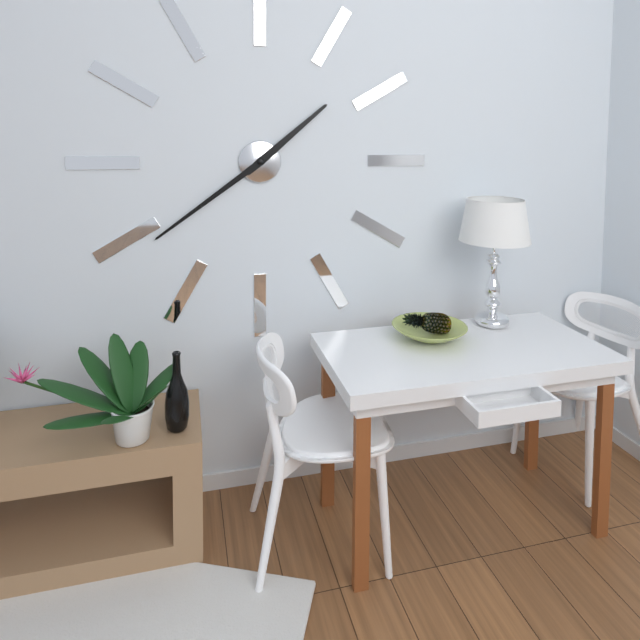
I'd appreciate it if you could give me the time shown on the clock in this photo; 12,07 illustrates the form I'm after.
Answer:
1,39
